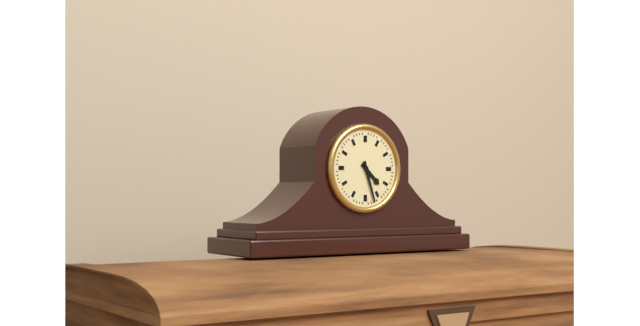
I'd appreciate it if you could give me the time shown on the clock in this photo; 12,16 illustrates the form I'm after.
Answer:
4,27
